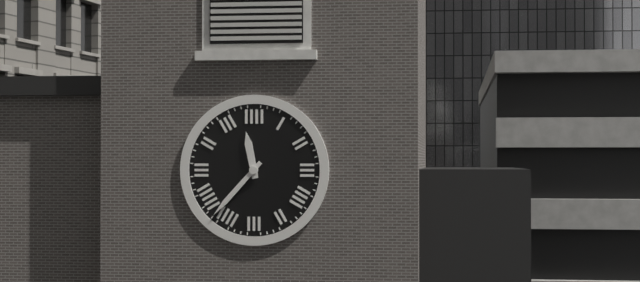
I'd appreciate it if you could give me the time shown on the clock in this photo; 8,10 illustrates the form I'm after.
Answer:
11,37
